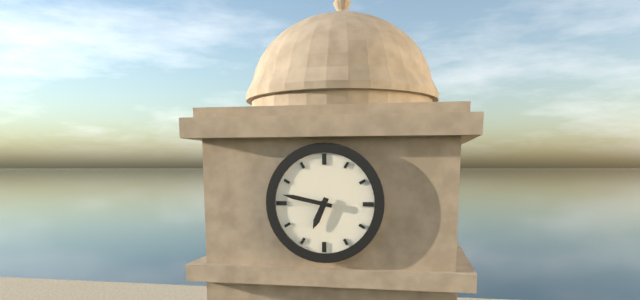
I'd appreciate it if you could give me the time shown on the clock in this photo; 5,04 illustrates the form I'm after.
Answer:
6,47
